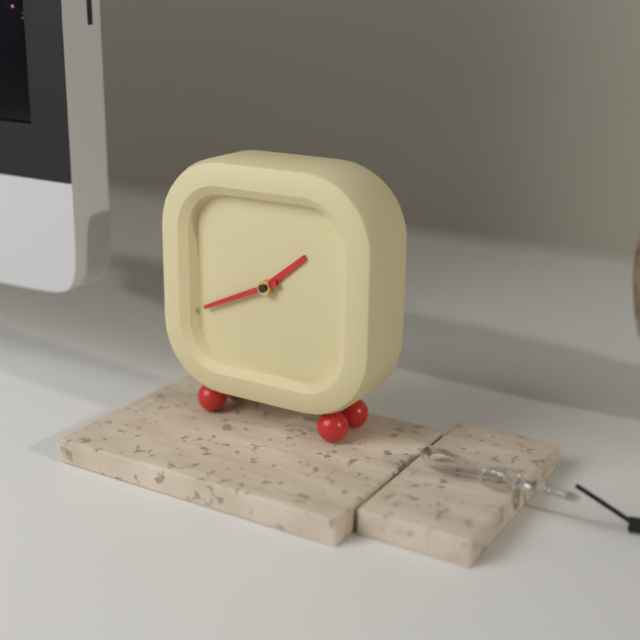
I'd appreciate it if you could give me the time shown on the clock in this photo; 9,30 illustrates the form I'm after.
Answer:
1,41
